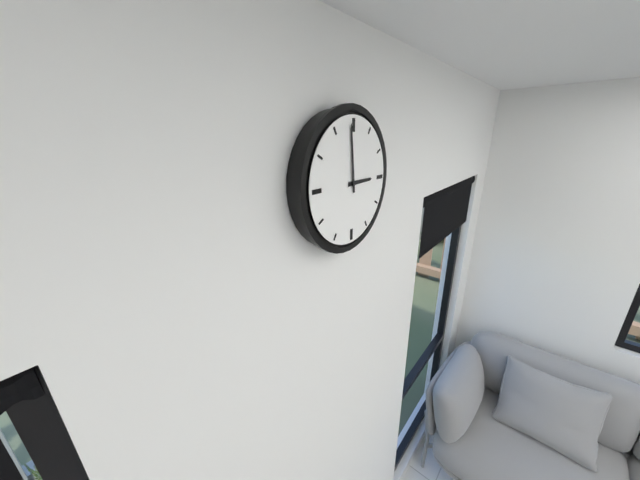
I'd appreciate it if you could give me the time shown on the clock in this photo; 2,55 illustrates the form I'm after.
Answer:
2,59
